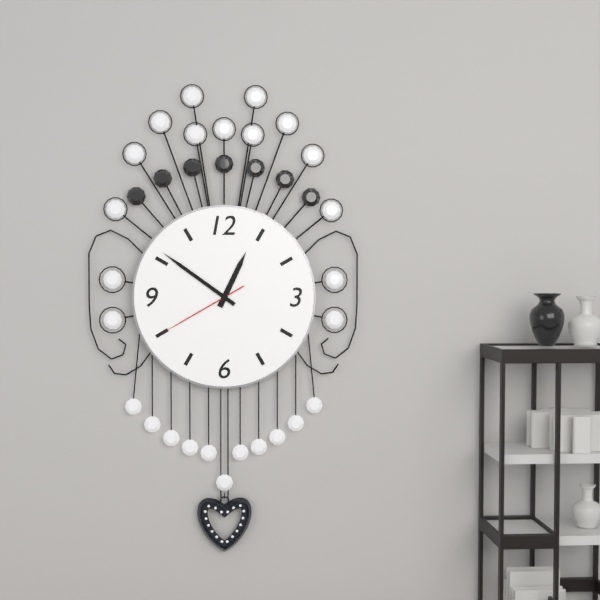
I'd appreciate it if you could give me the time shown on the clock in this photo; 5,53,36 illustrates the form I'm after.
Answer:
12,51,40
